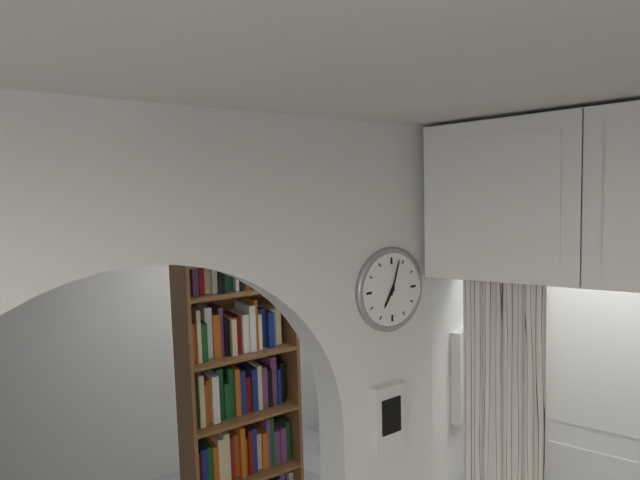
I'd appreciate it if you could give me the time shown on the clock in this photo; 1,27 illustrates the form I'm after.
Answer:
7,03
